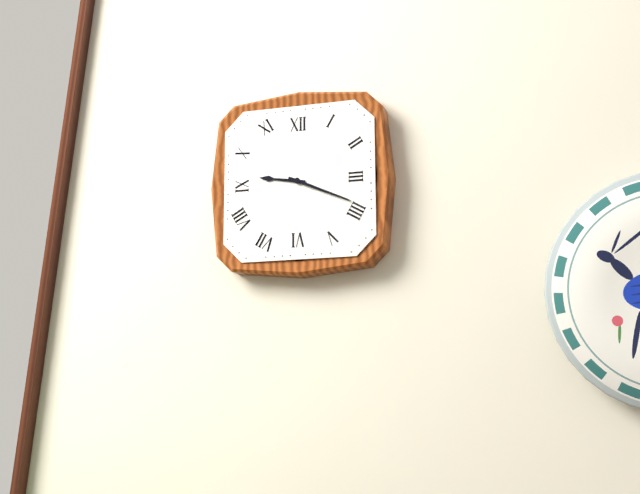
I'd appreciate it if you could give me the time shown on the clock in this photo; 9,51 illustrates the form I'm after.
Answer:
9,19
